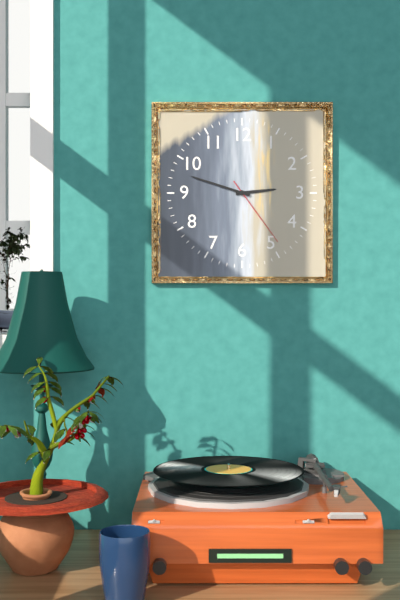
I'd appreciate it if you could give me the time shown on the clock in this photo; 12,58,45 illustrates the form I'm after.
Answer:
2,48,24
